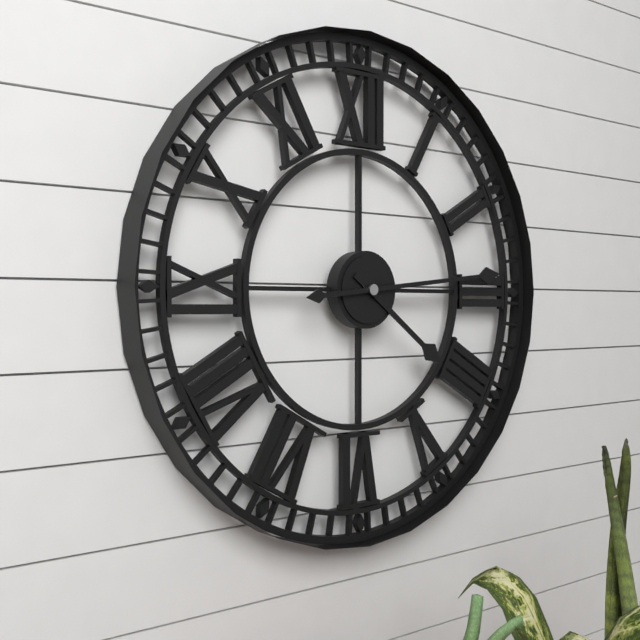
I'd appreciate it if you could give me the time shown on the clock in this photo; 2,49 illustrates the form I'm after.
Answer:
4,14
